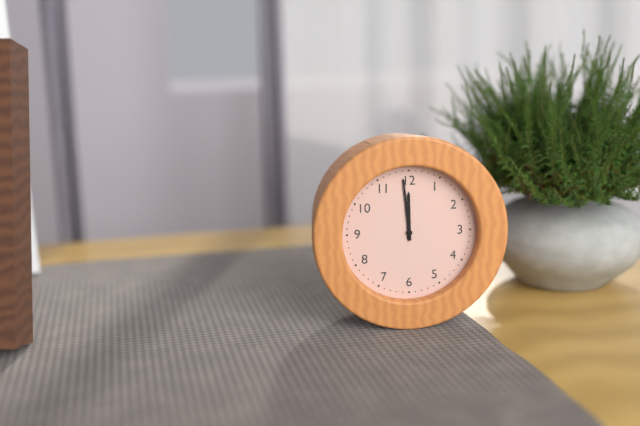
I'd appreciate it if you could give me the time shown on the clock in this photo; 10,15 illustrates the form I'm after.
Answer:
11,59
